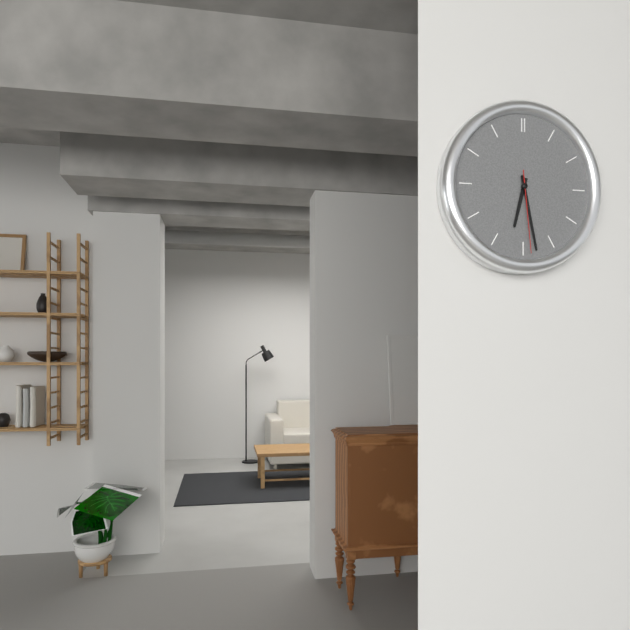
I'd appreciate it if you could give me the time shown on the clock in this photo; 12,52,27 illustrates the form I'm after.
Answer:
6,28,29
